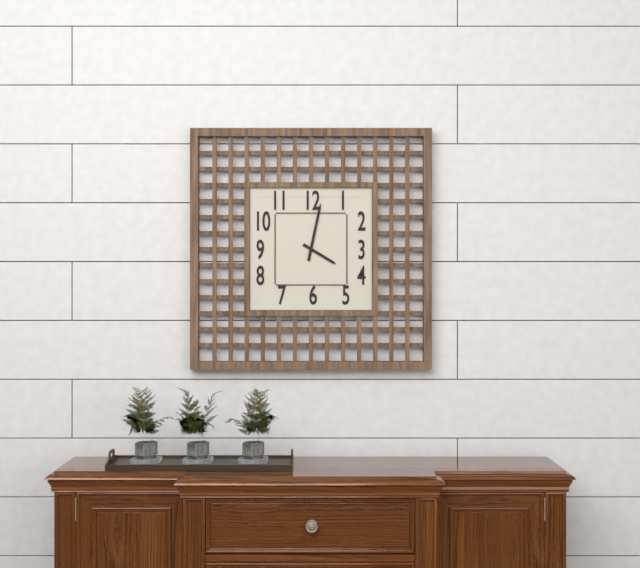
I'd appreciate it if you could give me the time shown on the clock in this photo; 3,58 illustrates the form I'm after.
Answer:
4,02
